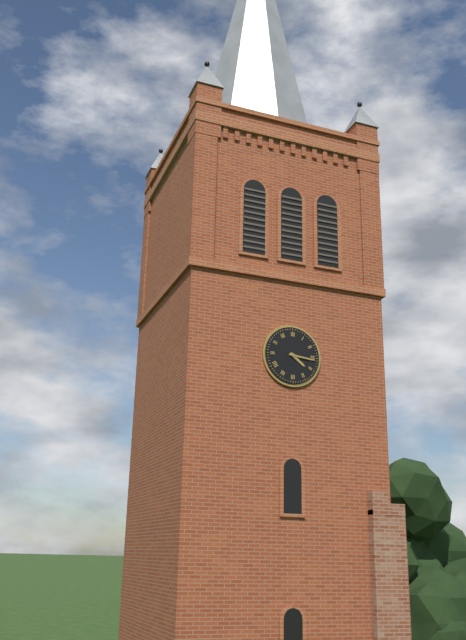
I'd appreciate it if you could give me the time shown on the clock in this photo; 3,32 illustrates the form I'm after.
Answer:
4,16
